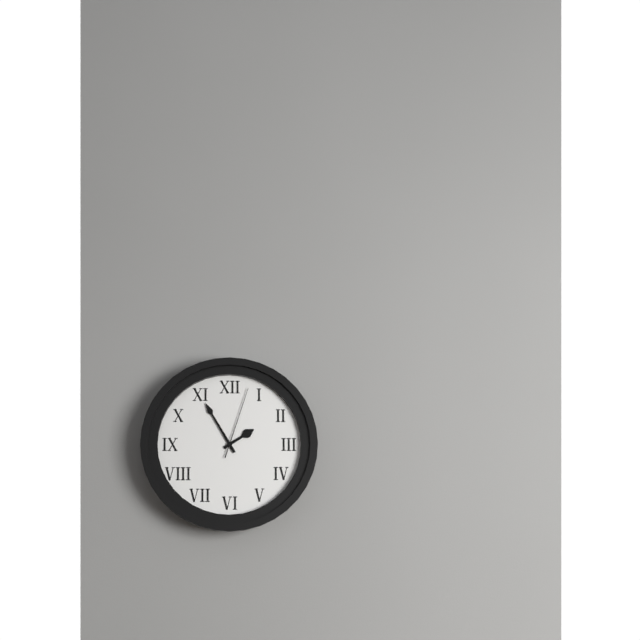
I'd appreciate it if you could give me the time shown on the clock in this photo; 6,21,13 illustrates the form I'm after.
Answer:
1,55,03
